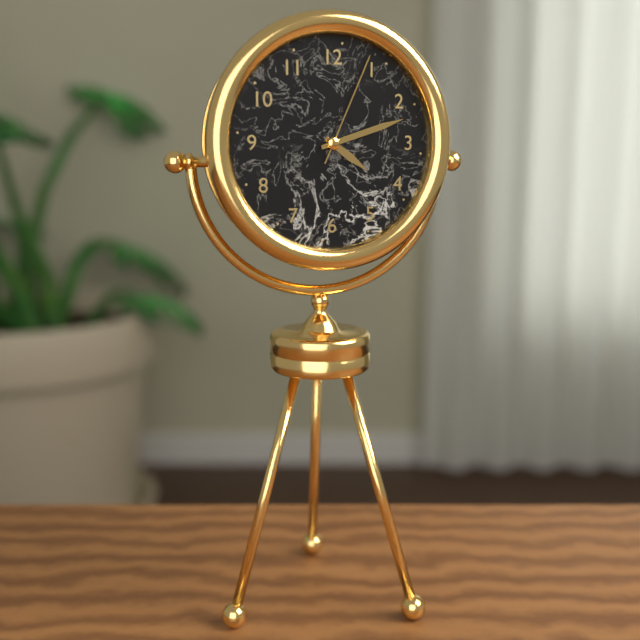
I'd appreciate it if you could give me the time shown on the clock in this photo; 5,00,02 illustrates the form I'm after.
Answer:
4,12,04
